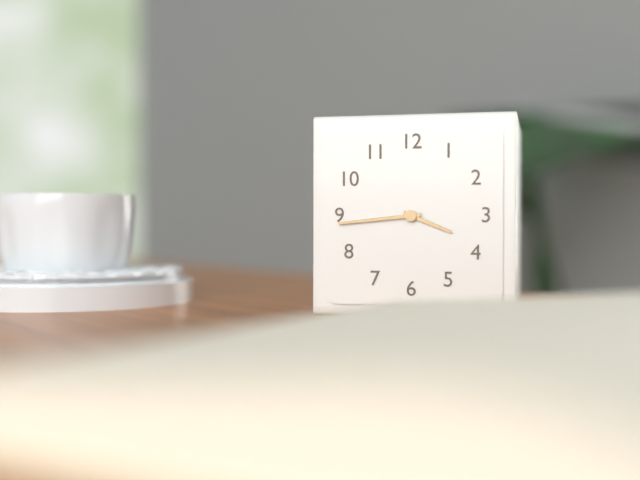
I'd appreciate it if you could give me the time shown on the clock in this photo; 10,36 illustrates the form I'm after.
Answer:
3,44
